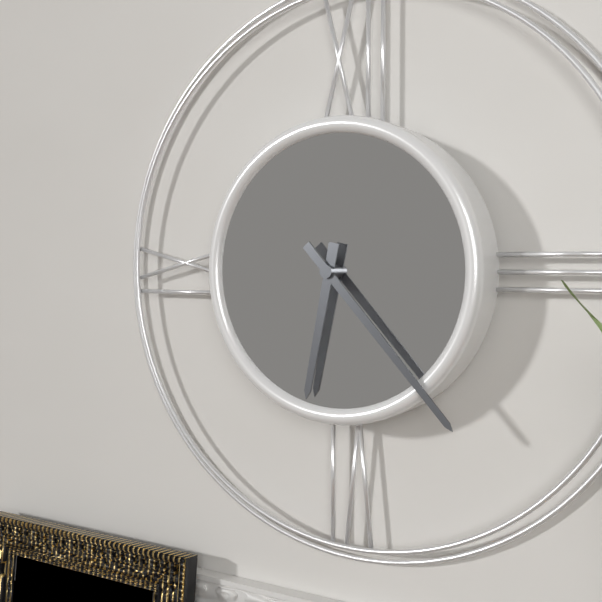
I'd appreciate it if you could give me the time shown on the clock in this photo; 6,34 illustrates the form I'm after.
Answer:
6,23
